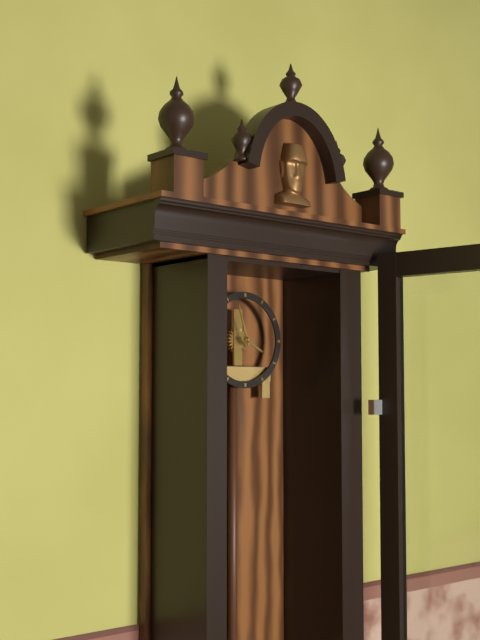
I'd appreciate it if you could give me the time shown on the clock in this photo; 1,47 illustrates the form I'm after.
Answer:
3,57
